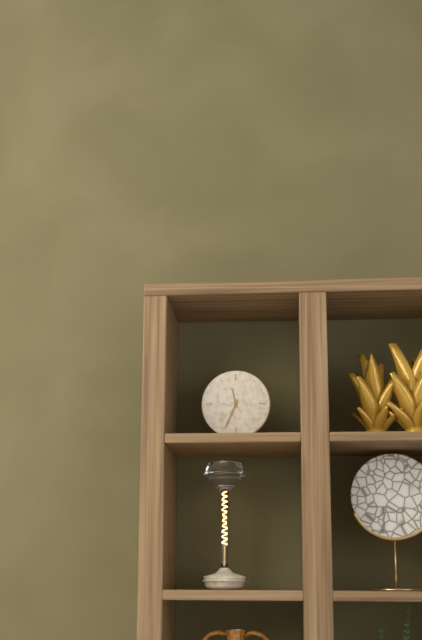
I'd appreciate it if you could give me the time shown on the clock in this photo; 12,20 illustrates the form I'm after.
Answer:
11,34
